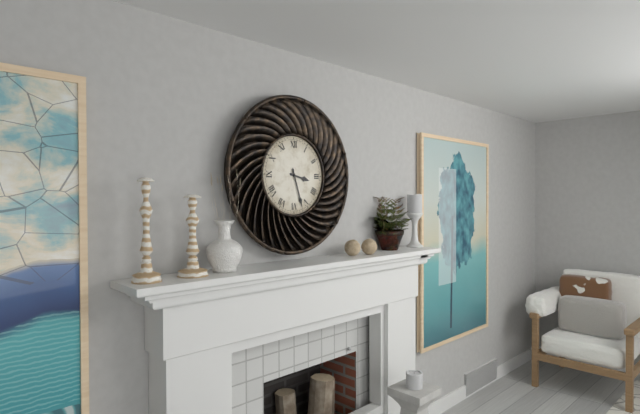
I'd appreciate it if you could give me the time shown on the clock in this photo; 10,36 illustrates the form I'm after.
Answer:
3,27
